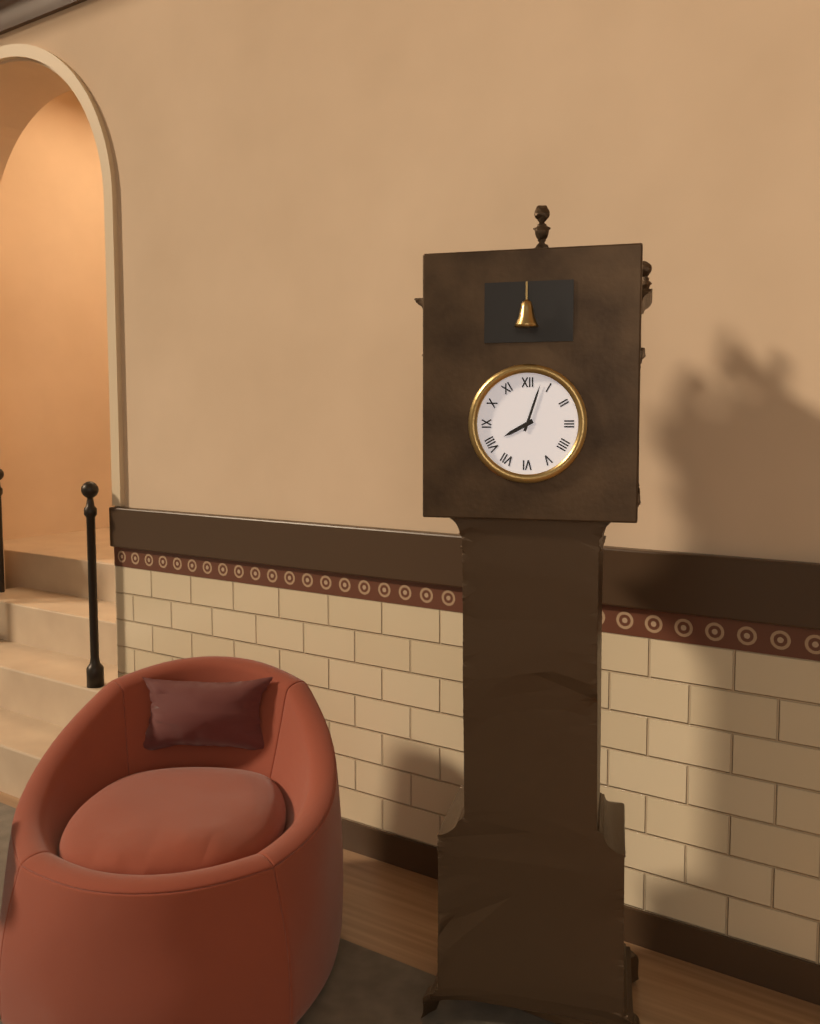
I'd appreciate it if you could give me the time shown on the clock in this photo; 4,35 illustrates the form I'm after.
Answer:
8,03
